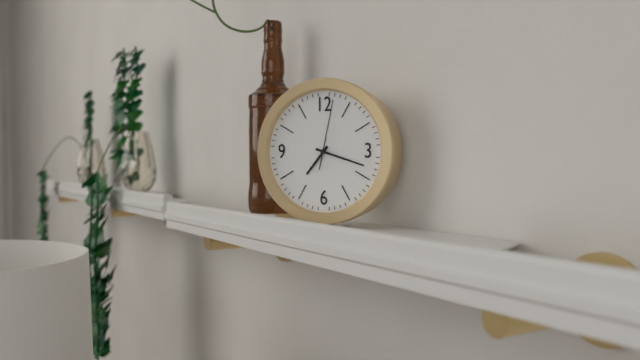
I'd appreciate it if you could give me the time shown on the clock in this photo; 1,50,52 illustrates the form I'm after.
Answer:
7,18,02
